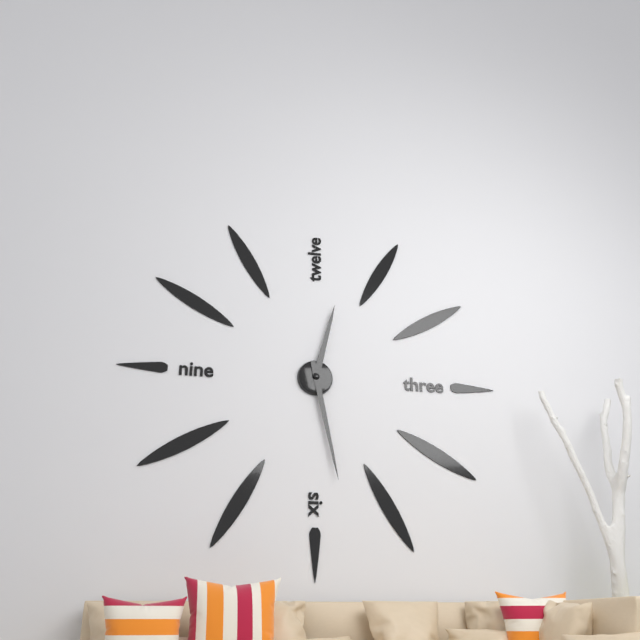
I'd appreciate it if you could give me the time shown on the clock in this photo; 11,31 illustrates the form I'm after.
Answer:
12,28
